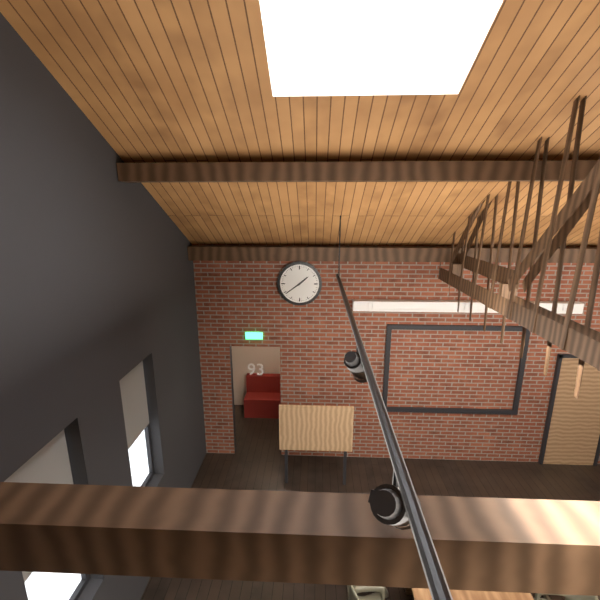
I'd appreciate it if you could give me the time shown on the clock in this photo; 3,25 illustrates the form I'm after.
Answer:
1,39
